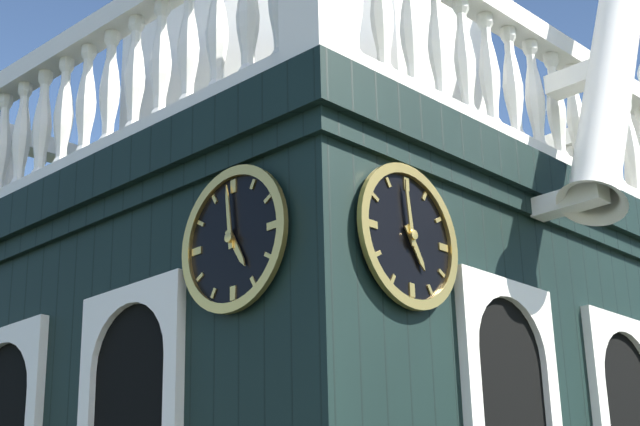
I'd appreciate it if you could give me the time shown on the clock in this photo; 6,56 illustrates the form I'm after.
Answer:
4,59
